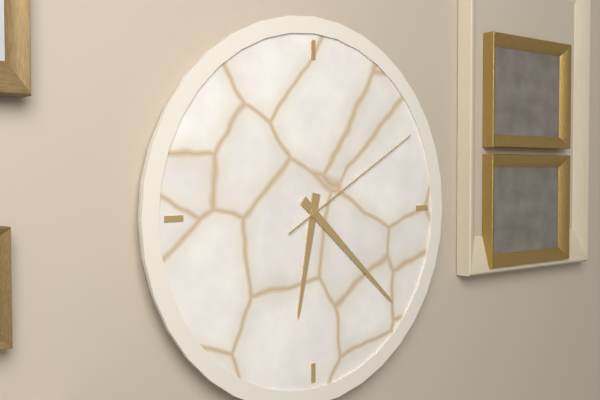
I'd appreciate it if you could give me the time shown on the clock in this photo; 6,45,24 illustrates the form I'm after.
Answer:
6,22,10
